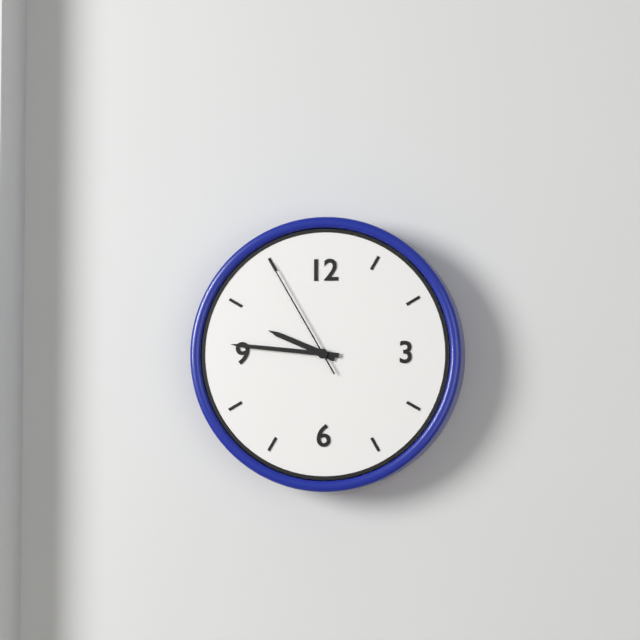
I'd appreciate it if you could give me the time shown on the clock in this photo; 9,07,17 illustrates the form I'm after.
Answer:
9,46,55
